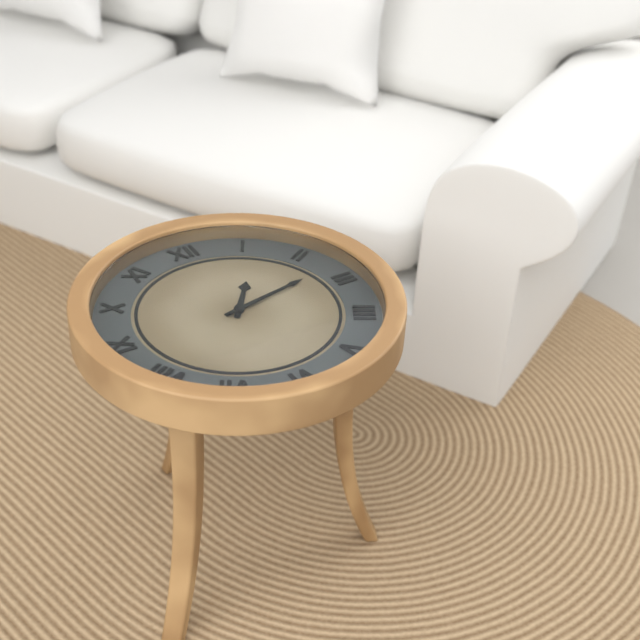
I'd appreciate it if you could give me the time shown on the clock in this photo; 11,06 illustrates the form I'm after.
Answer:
1,13
